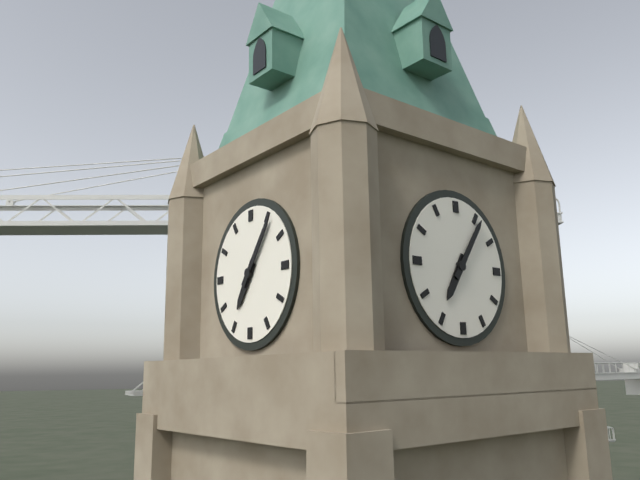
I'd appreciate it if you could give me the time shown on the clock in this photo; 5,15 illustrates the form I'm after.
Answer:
7,06
